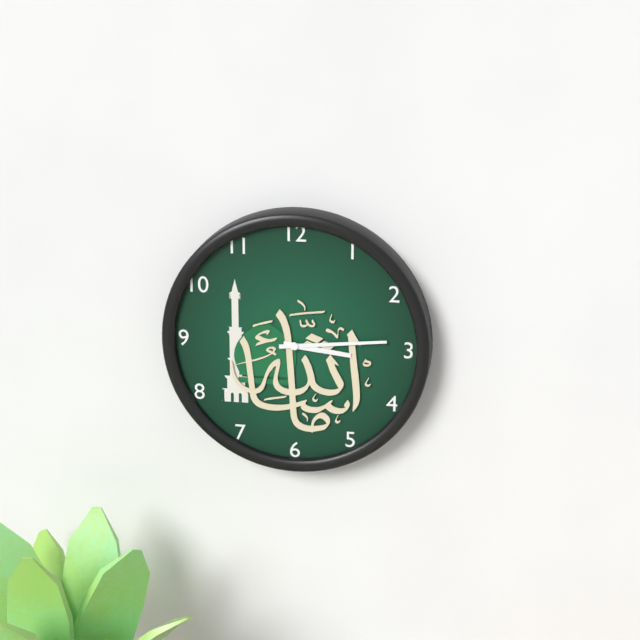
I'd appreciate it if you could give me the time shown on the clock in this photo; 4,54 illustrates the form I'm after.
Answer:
3,14
